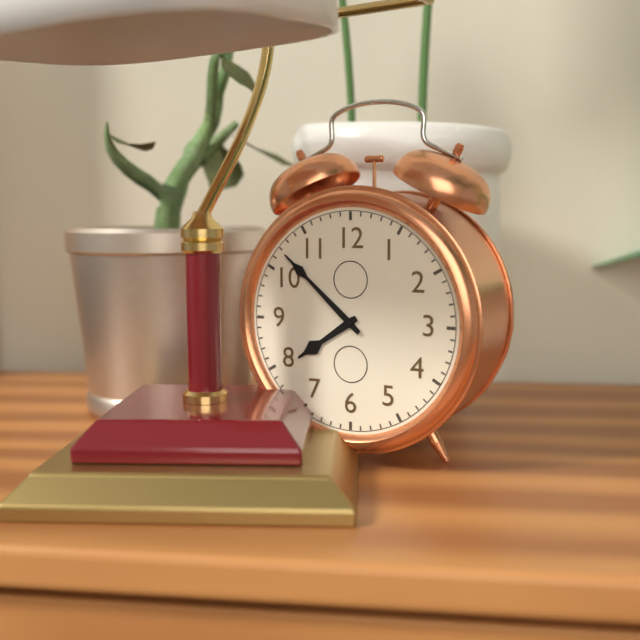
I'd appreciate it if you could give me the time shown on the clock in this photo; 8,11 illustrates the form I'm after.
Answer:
7,52
